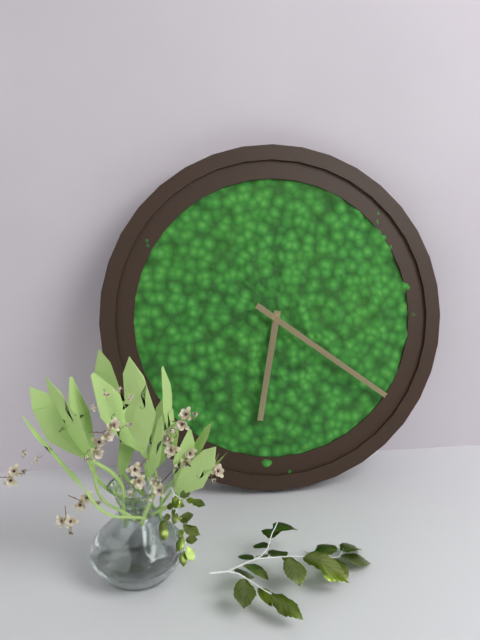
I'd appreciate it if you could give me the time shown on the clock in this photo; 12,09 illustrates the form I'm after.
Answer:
6,21
